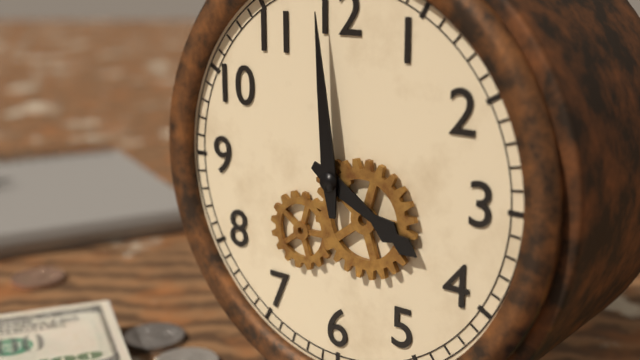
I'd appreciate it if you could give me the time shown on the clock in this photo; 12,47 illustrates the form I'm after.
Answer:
3,59
